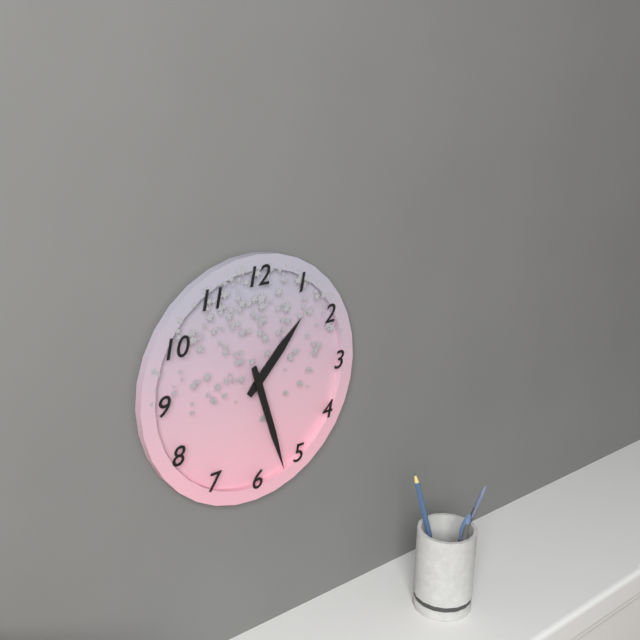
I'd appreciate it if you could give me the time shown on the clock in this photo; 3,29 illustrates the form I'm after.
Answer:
1,27
